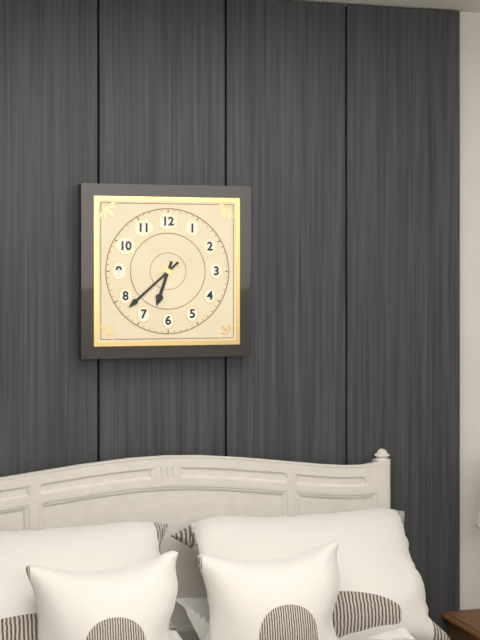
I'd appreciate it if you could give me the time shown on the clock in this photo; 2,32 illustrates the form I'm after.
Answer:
6,38
